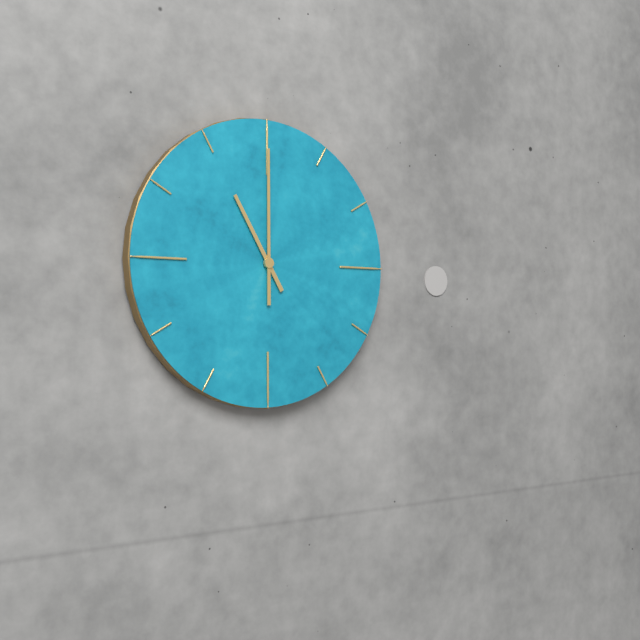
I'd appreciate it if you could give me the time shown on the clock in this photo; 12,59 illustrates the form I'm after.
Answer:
11,00
